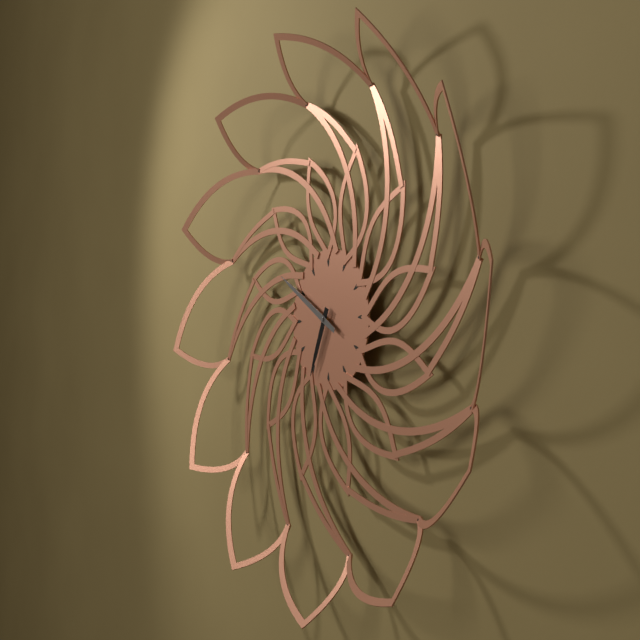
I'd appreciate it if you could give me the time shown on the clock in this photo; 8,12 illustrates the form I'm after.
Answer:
6,50
